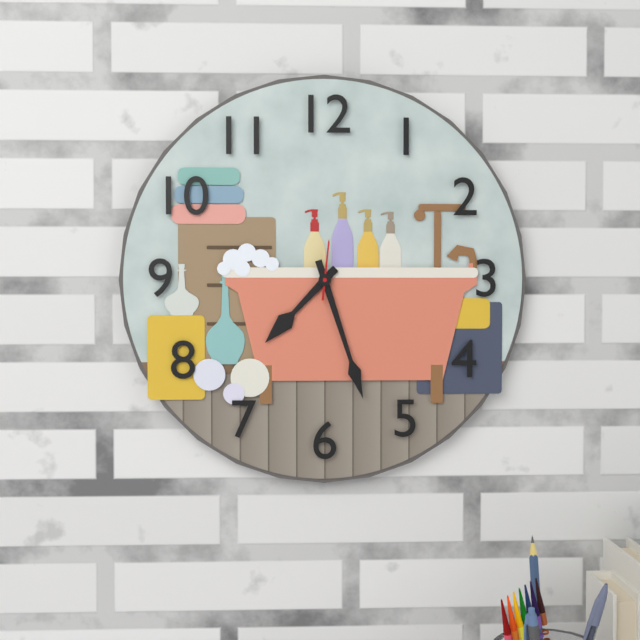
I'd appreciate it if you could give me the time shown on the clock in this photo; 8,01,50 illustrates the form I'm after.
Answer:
7,27,01
